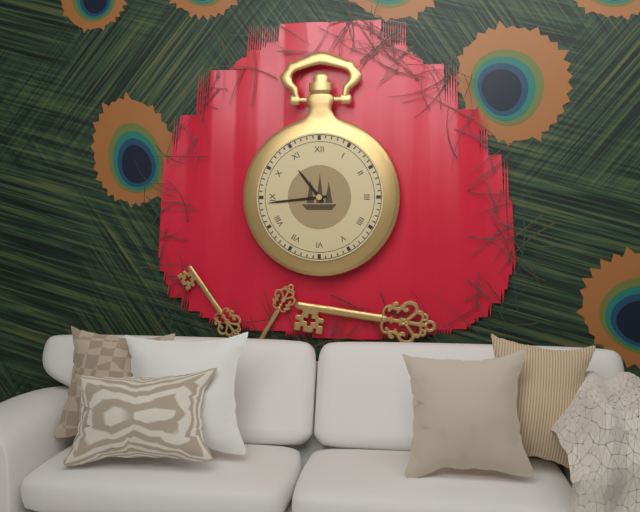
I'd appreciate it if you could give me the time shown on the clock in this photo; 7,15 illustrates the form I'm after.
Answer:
10,44
